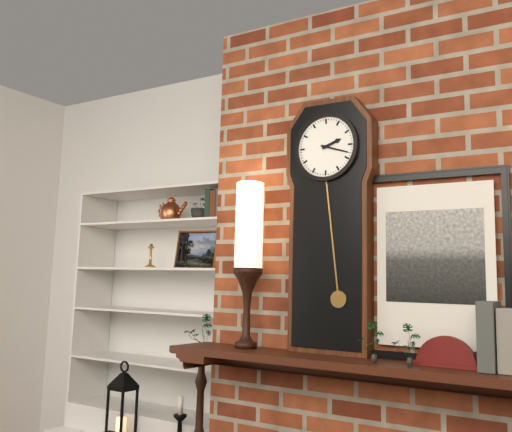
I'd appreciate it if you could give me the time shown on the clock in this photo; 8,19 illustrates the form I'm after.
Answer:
2,18
